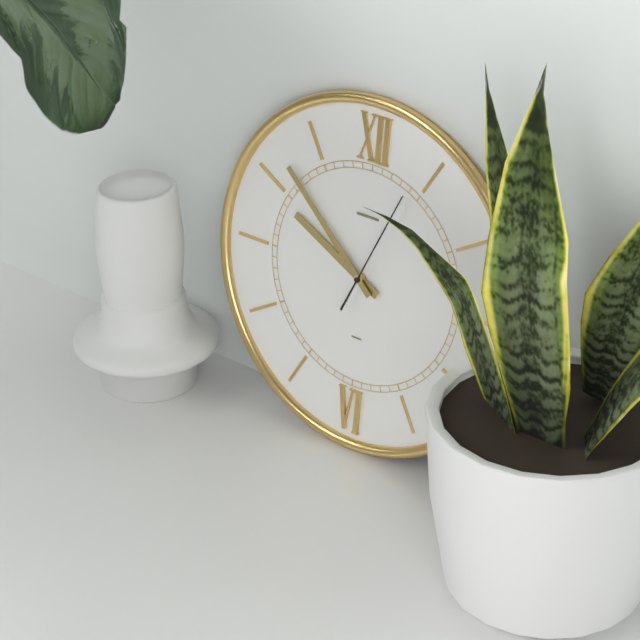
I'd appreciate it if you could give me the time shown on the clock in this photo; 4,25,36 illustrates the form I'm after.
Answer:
9,52,04
